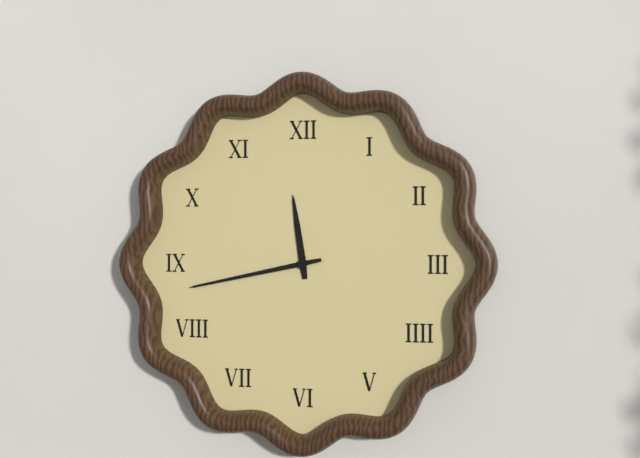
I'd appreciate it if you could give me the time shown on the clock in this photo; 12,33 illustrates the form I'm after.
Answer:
11,43
